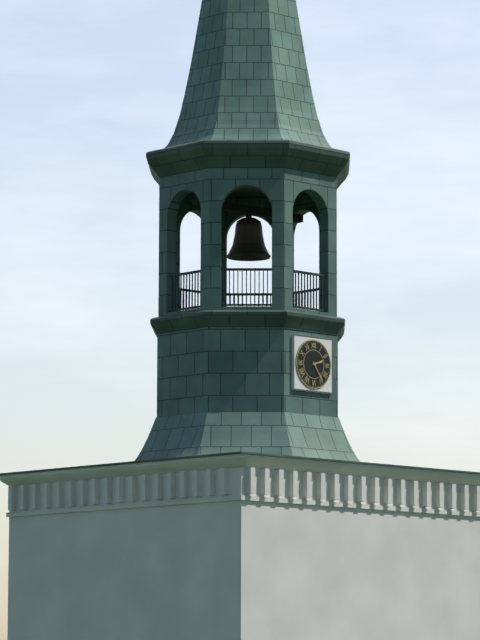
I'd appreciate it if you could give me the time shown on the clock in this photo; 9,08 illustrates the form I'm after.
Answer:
2,24
